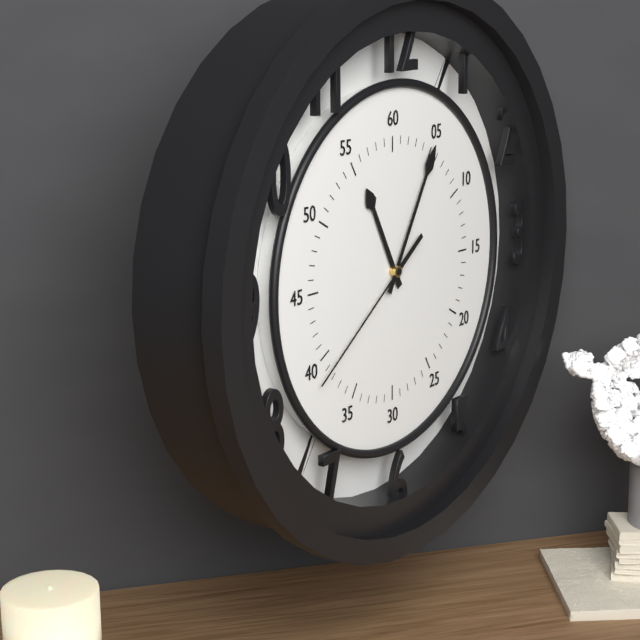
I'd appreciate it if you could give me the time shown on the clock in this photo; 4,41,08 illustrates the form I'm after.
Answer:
11,05,39
